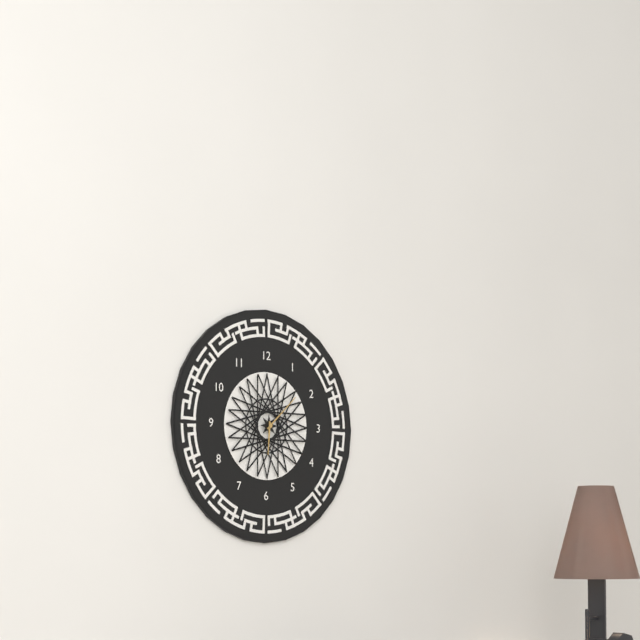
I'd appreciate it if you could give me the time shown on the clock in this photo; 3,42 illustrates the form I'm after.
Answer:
6,08
